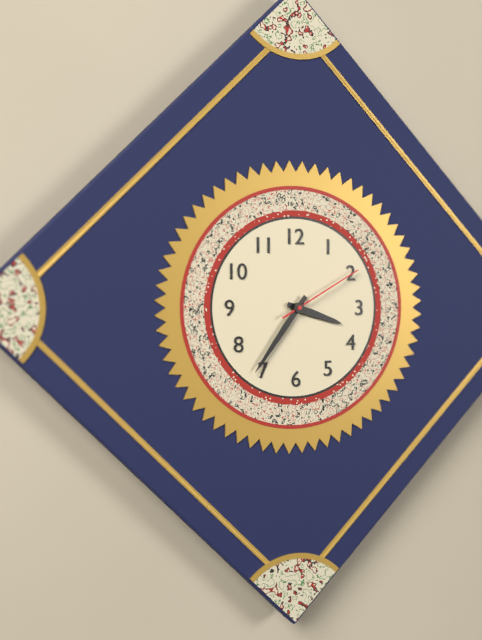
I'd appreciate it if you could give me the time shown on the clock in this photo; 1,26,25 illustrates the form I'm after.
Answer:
3,36,10
